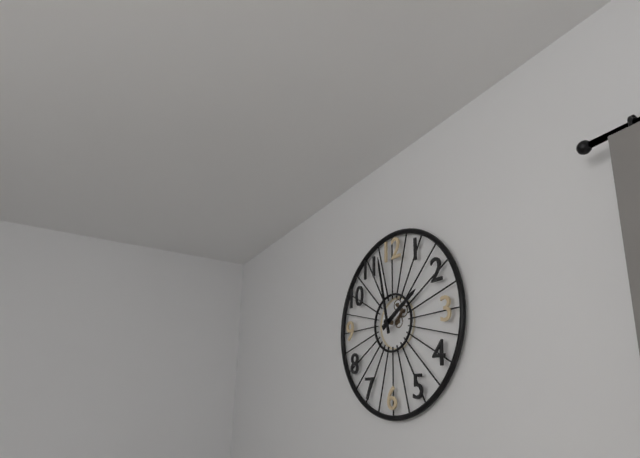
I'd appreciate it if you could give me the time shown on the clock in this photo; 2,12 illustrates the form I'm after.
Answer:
1,58
